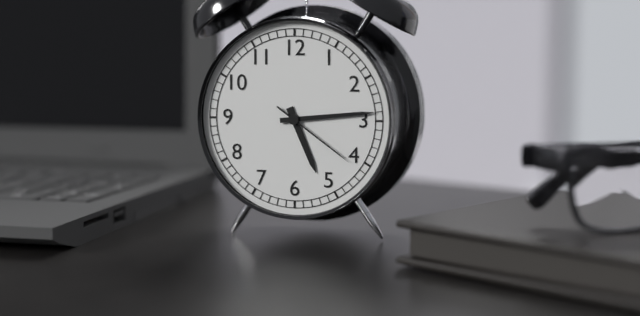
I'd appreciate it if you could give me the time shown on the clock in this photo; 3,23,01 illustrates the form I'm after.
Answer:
5,14,21
